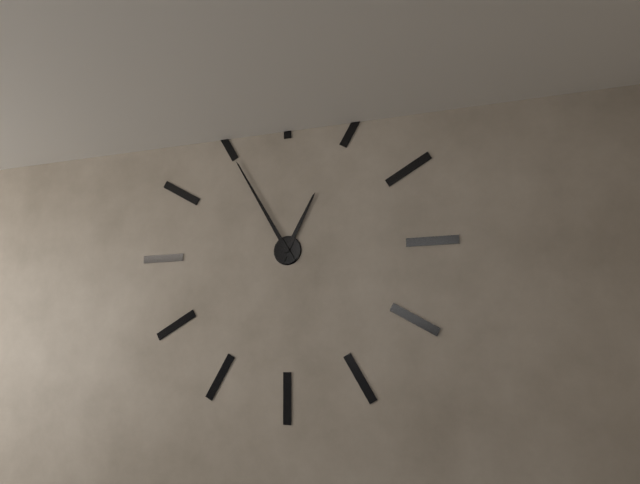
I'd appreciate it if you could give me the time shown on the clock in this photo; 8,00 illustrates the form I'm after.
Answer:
12,55
